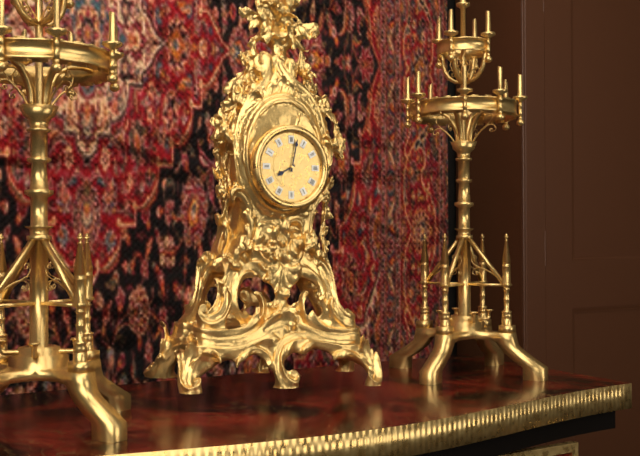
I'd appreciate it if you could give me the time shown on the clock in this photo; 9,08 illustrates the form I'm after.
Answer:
8,02
